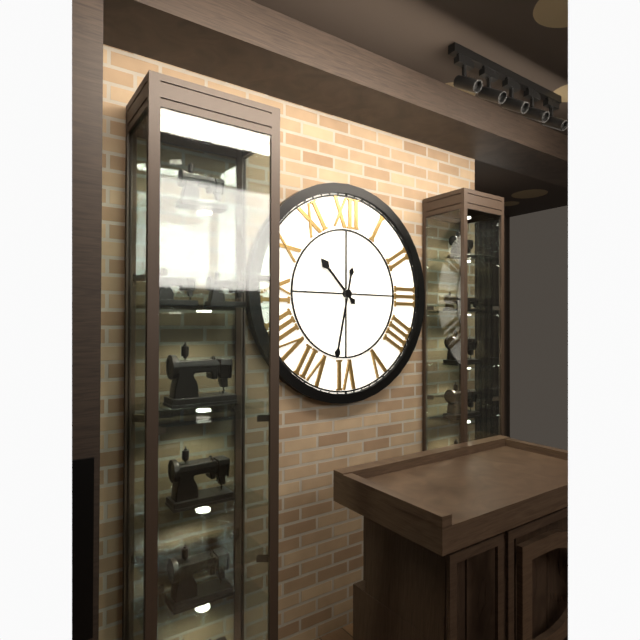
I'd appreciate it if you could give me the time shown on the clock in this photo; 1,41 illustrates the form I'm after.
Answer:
10,32
